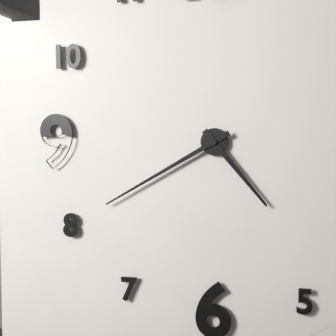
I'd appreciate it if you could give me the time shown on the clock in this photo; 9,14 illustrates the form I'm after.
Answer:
4,40
